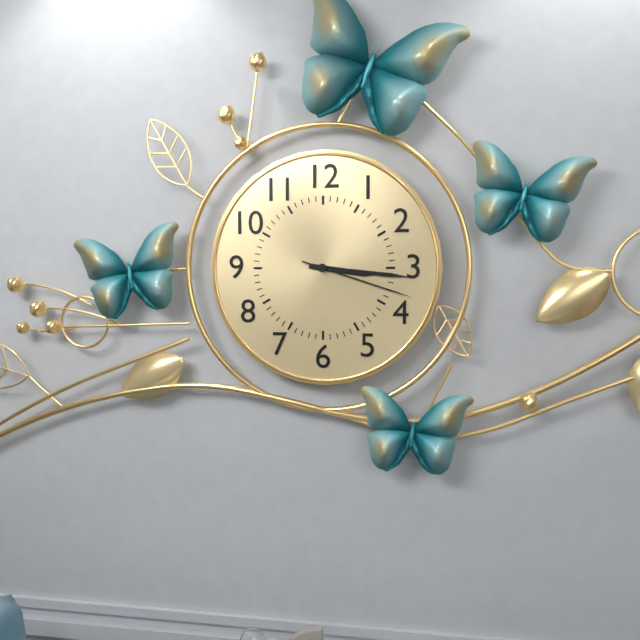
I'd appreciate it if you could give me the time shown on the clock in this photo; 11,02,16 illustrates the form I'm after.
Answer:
3,16,18
